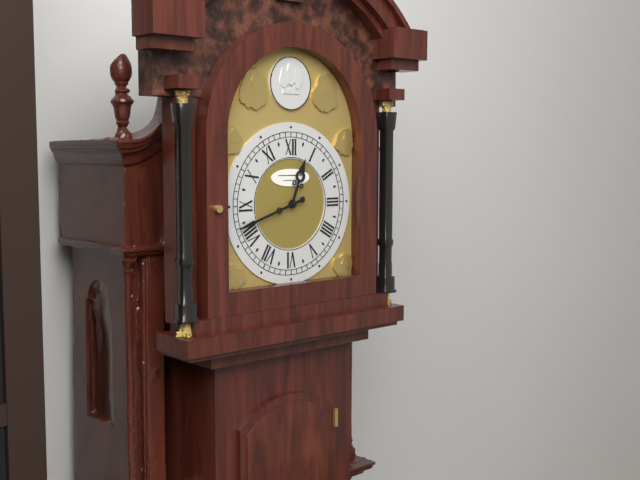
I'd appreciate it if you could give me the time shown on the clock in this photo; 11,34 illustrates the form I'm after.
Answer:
12,42
